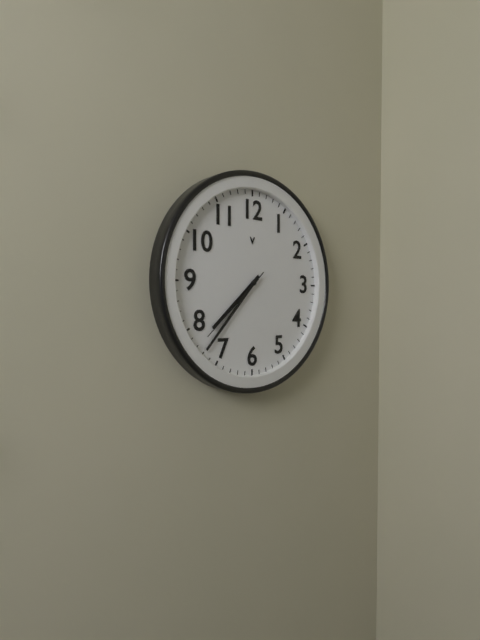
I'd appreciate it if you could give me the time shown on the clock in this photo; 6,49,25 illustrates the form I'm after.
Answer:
7,37,38
